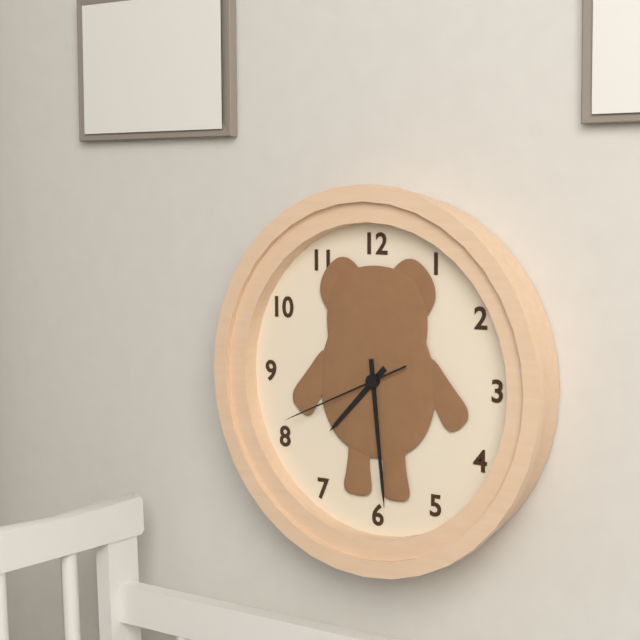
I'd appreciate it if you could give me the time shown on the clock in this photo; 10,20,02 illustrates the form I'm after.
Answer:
7,29,41
